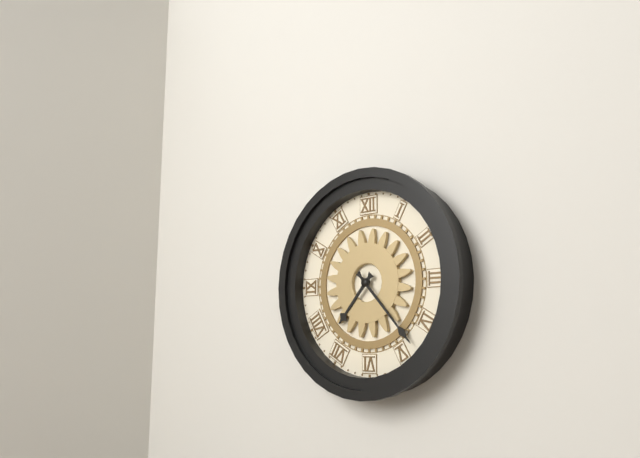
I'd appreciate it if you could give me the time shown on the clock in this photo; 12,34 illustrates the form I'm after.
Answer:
7,23
